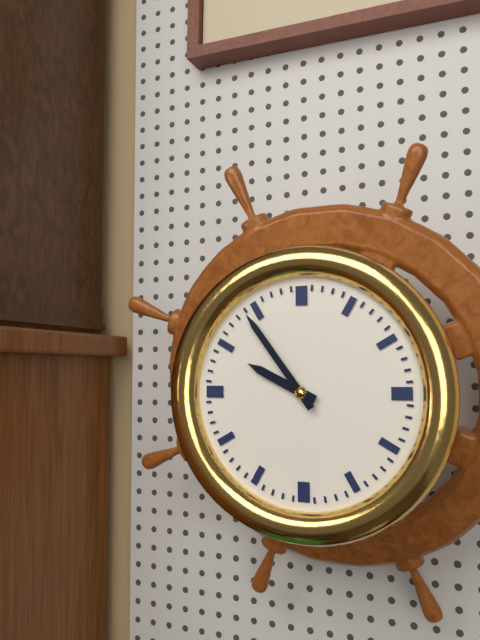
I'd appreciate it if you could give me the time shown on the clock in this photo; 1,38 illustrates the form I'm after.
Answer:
9,54
